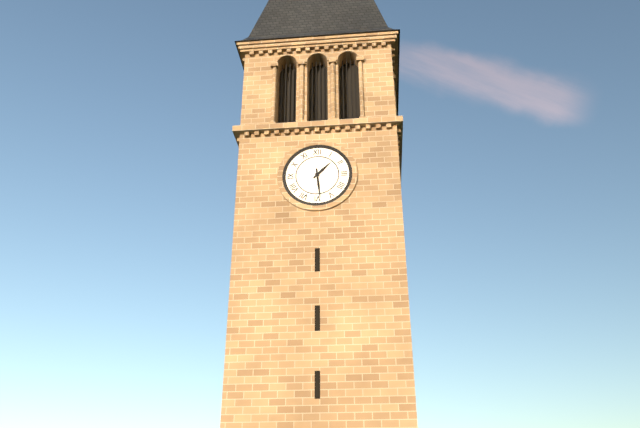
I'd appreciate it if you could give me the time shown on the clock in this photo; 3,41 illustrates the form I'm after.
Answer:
1,29
